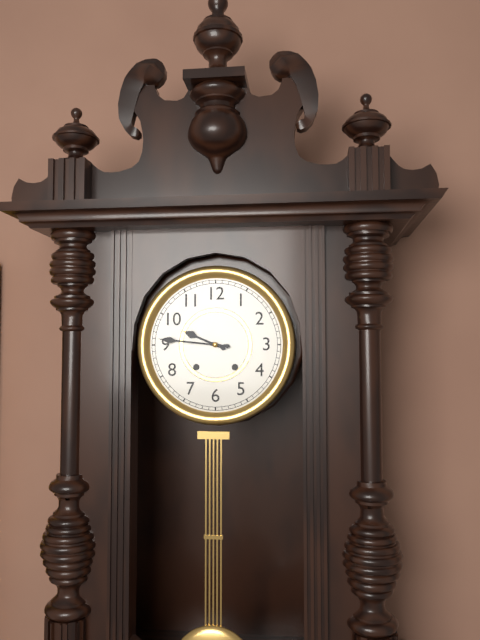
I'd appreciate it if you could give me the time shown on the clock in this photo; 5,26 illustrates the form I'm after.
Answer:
9,46
